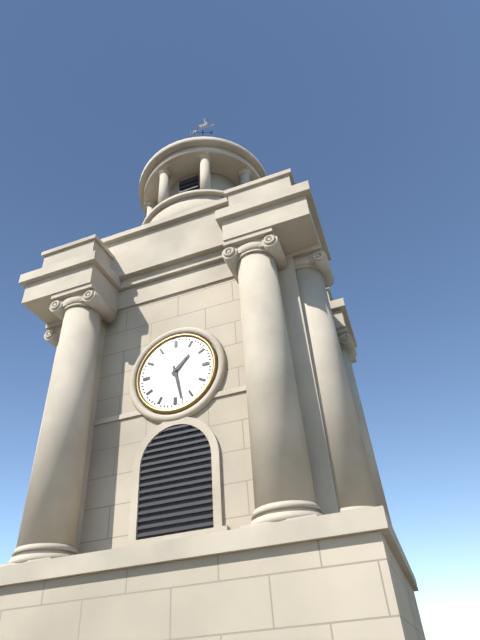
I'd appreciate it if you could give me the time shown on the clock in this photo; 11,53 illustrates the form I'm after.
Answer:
1,28
